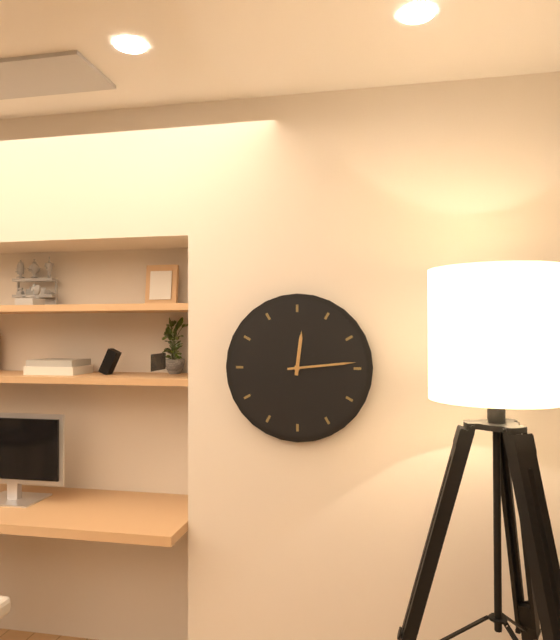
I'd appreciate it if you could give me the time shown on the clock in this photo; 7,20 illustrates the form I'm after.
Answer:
12,14
